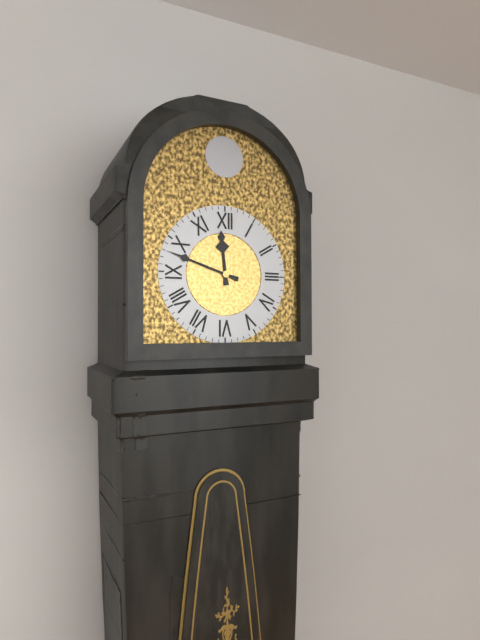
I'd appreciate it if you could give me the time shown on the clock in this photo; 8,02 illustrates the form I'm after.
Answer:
11,48
